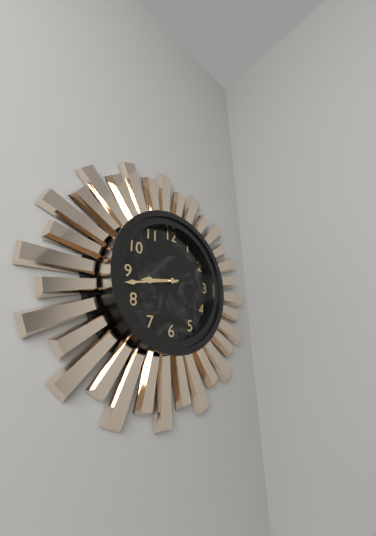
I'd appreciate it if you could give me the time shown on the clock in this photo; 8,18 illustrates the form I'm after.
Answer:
8,43
